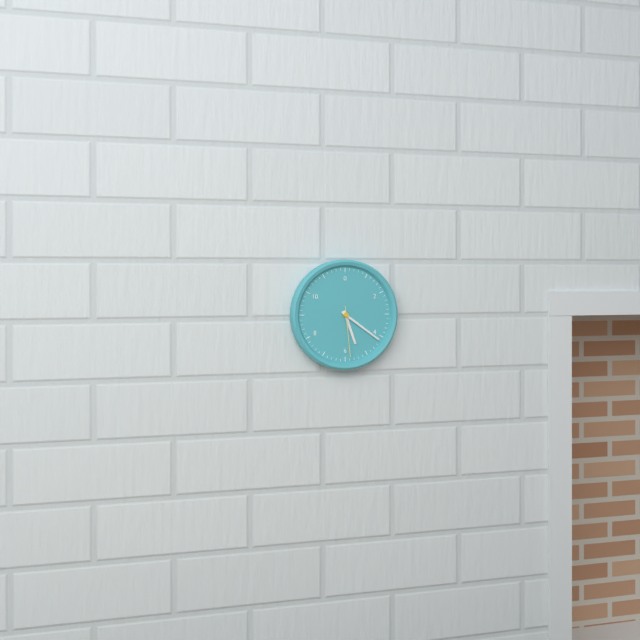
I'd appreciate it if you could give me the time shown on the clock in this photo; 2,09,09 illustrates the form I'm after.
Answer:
5,21,29
